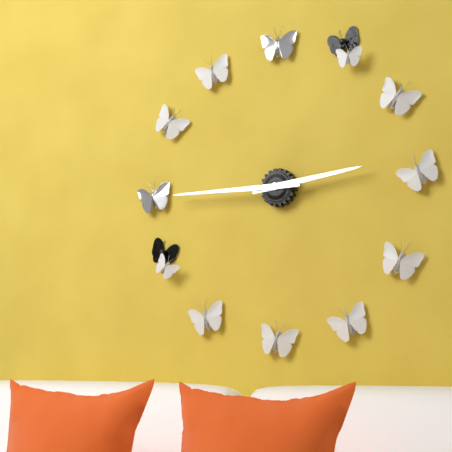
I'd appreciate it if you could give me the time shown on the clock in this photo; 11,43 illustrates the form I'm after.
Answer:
2,45
